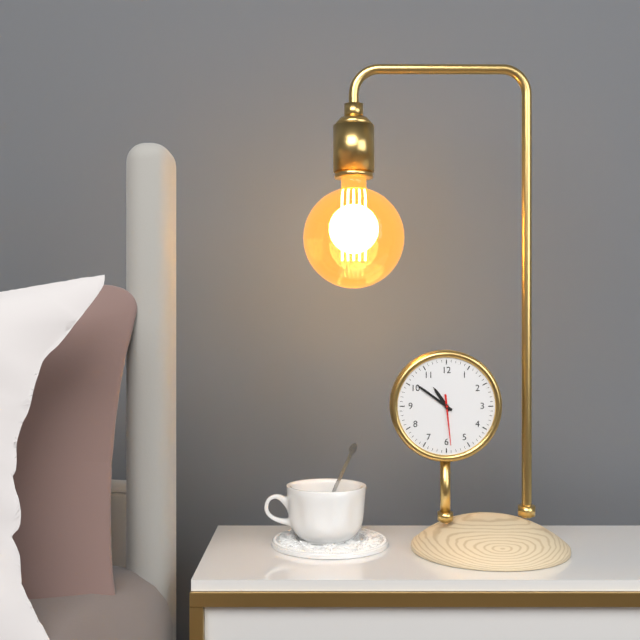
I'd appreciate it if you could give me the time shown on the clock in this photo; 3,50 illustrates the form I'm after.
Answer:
10,51
